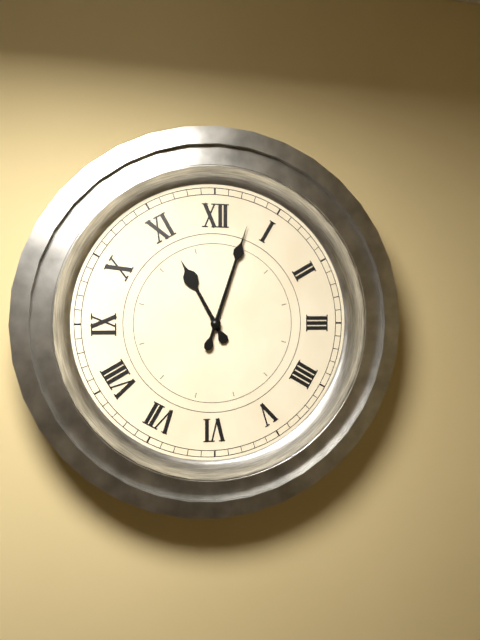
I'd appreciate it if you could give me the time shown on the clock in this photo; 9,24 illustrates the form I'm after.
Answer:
11,03
